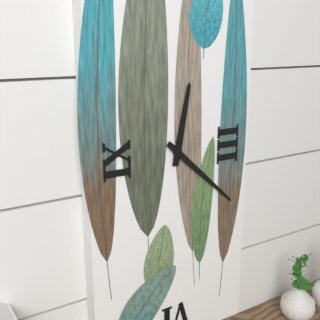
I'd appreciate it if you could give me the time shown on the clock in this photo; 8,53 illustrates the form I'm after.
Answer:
12,22
